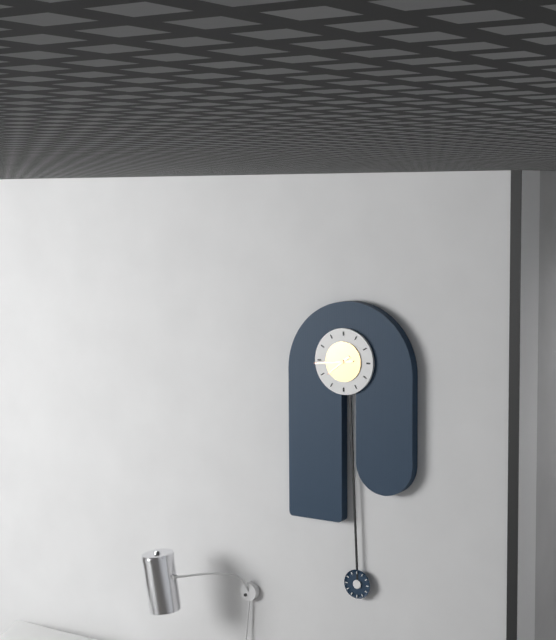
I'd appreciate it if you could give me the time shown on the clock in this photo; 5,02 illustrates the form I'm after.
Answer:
7,44
